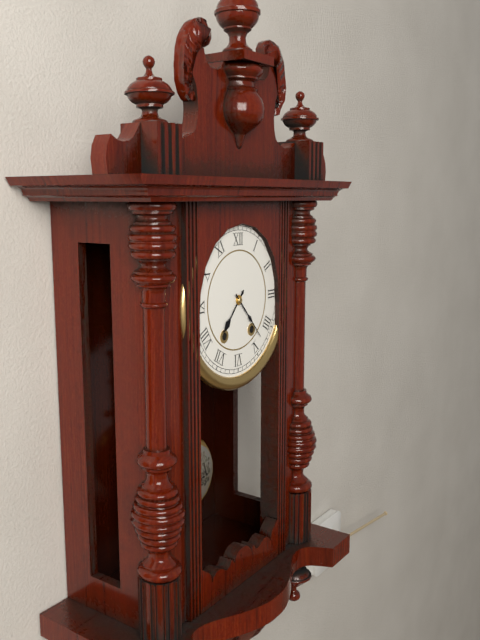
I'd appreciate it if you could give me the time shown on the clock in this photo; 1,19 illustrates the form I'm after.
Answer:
7,23
